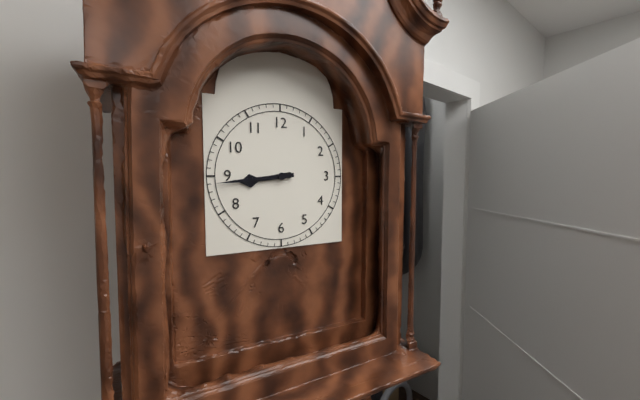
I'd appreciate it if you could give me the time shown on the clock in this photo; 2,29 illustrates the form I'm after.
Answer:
8,44
